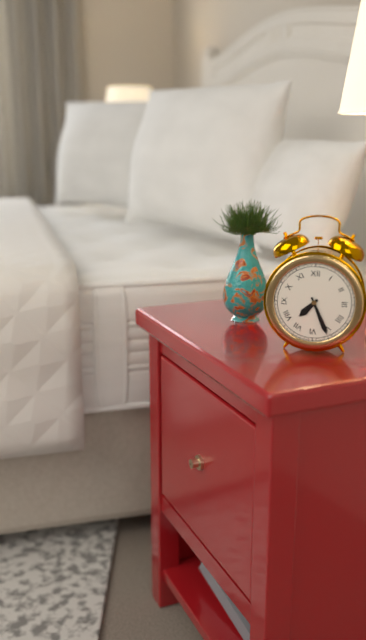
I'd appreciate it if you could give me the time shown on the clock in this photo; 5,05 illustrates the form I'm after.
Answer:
7,26
